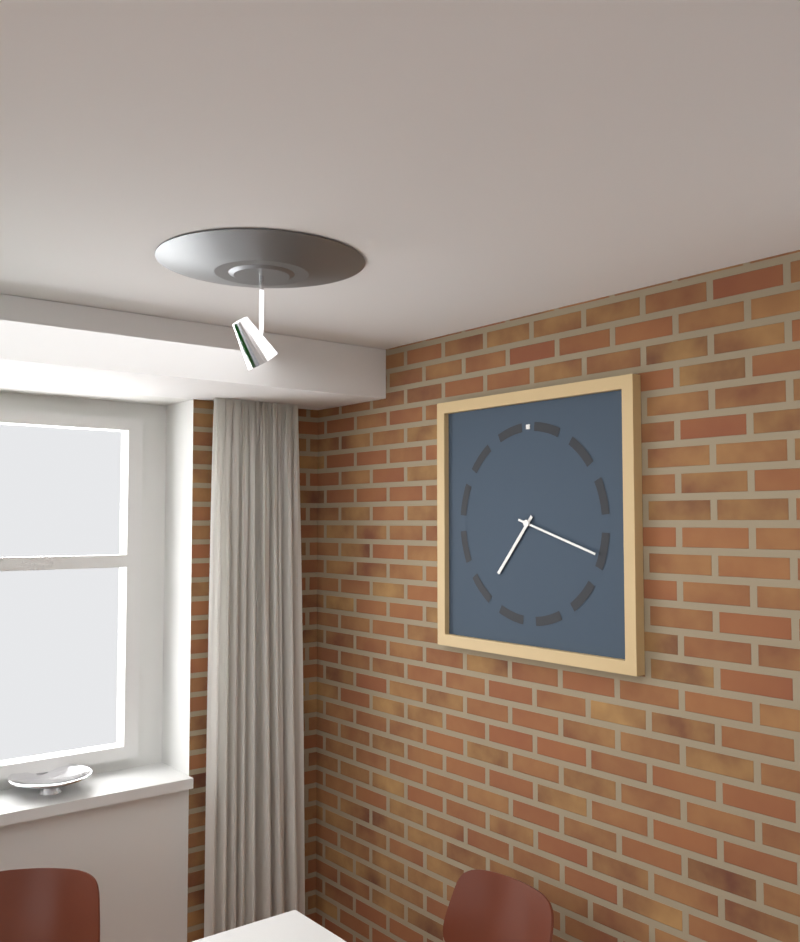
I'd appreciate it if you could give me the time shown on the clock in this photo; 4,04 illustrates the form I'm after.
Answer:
7,18
